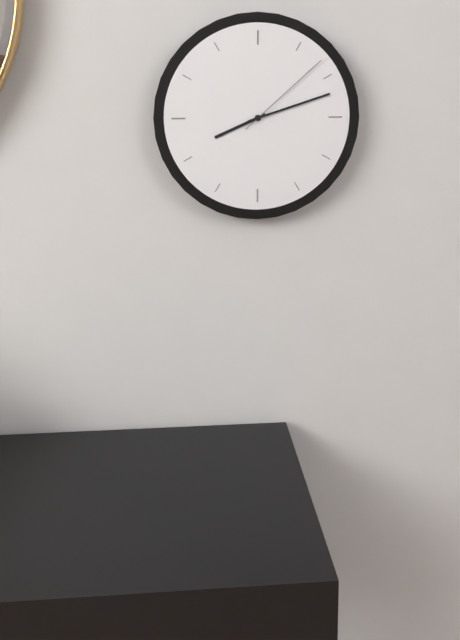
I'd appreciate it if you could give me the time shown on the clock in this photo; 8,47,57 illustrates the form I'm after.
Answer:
8,12,08
